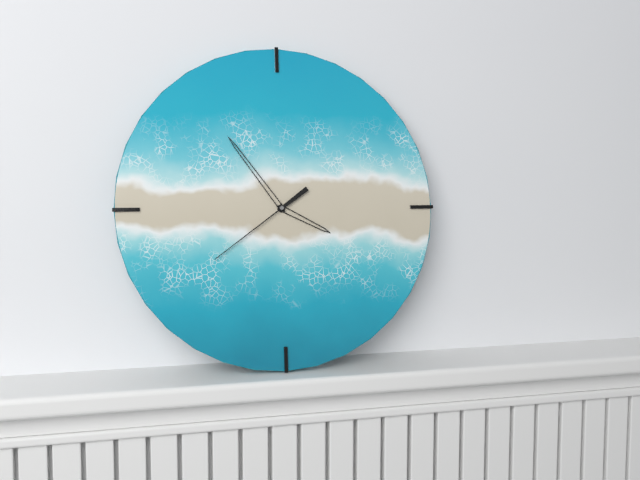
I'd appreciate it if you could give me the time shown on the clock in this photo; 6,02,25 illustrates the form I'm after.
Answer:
3,54,39
